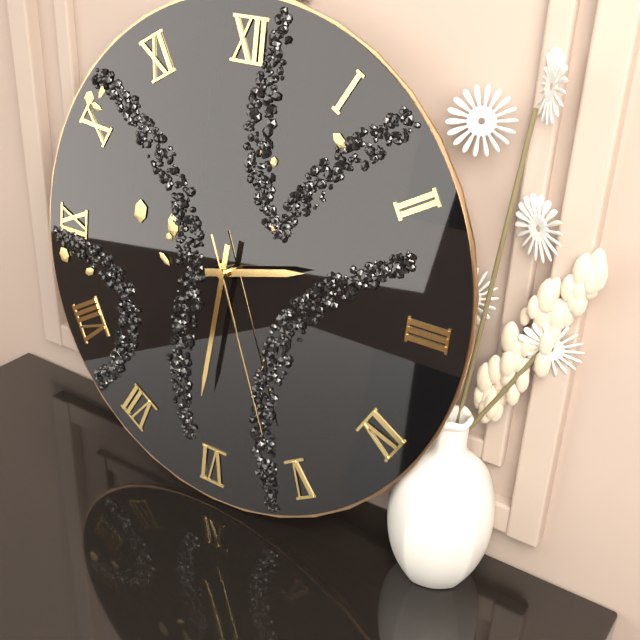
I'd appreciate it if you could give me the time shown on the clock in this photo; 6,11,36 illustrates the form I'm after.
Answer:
2,31,26
